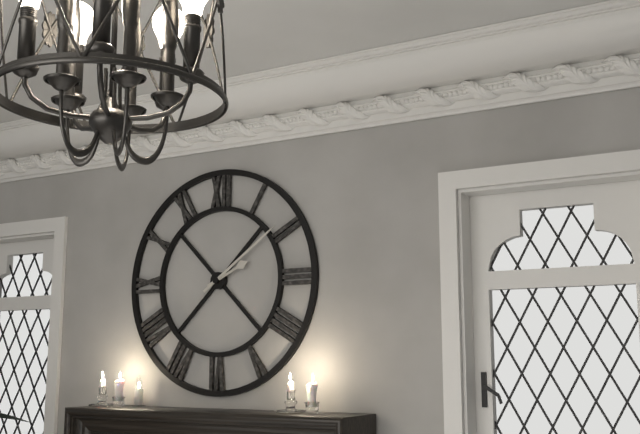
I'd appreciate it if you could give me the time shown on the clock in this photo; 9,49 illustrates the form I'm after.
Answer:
2,09
